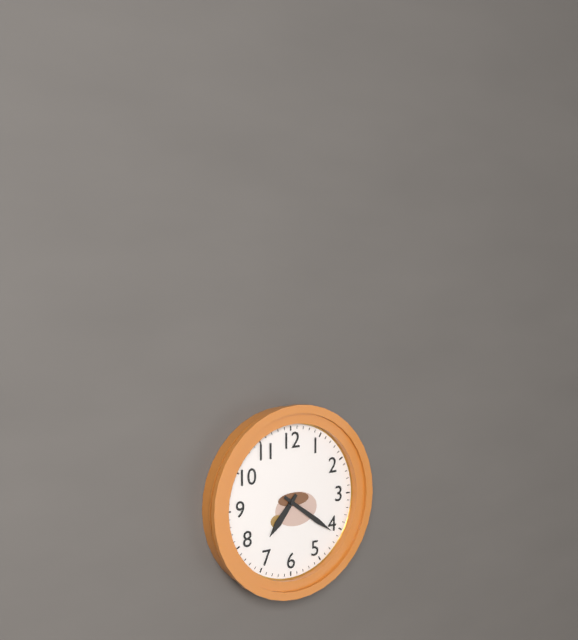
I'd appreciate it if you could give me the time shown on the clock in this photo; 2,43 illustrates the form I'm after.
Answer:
7,21
